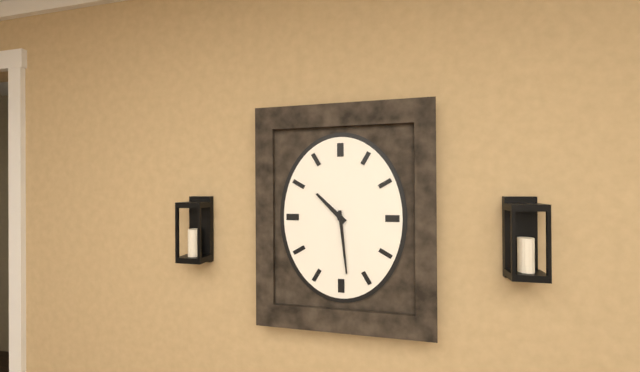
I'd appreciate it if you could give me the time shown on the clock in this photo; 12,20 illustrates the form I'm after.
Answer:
10,29
